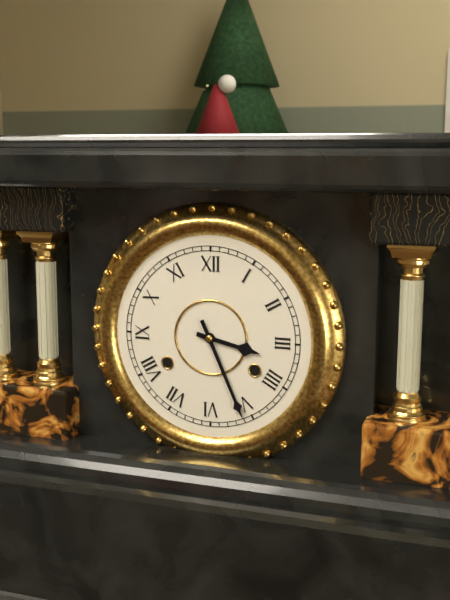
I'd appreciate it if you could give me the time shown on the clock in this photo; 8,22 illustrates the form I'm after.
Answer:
3,26
